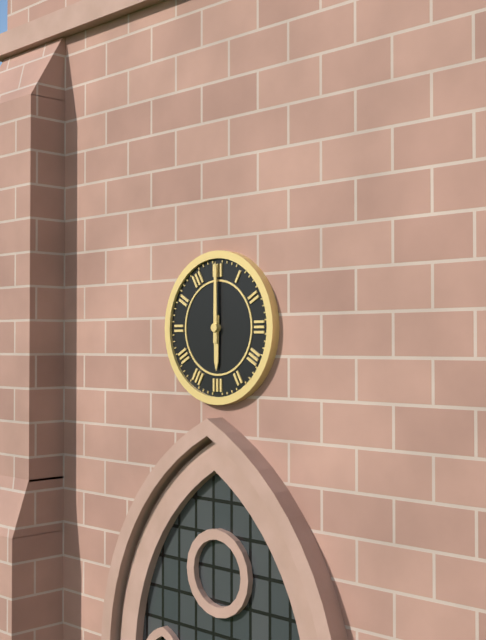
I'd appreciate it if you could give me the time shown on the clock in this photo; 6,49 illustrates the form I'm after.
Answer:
6,00
